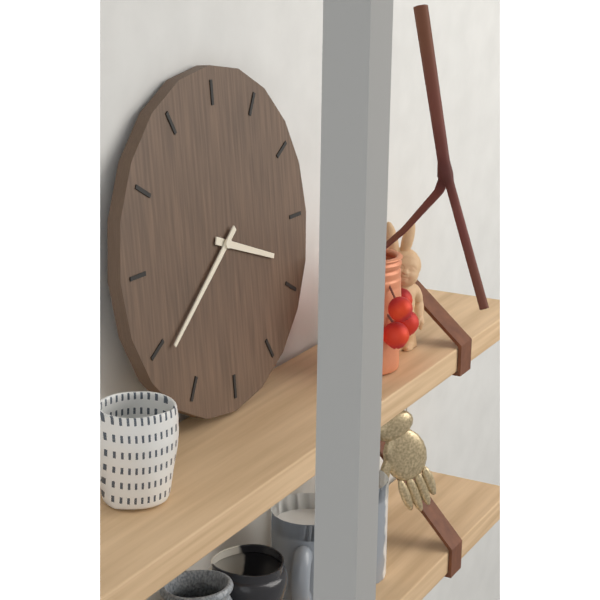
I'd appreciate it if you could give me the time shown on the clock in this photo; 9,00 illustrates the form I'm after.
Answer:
3,39
